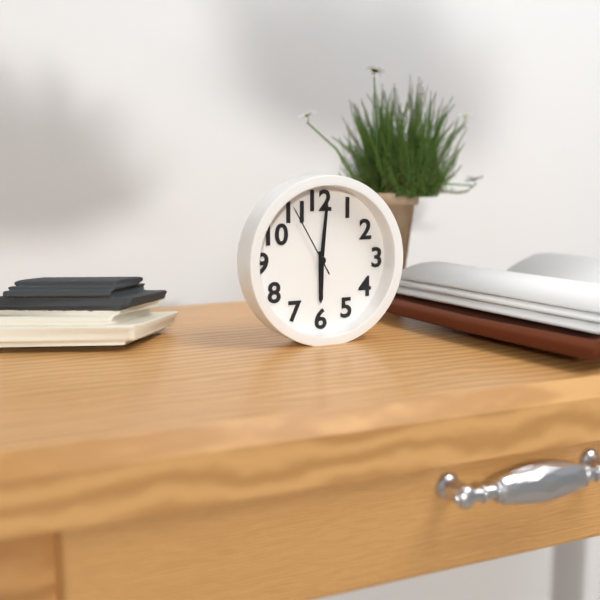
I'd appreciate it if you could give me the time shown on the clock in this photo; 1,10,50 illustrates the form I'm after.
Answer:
6,01,55
